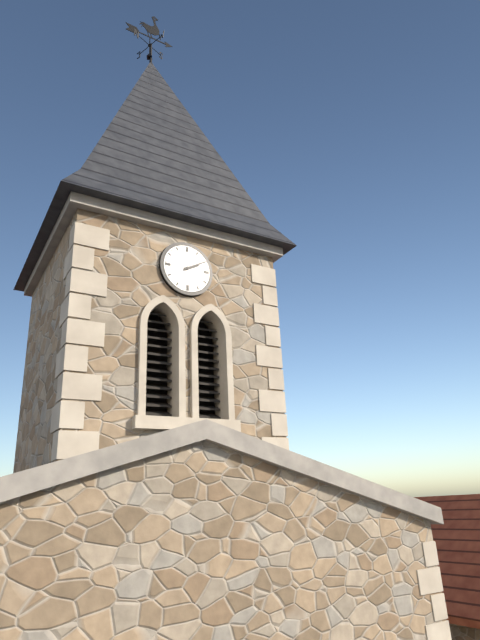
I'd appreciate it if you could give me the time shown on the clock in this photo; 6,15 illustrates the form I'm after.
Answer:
2,10
